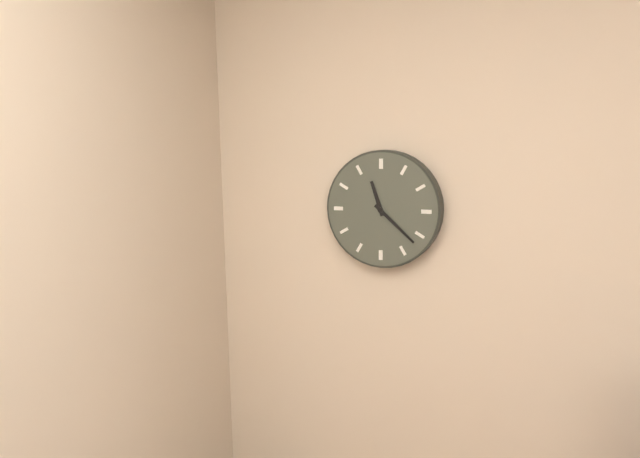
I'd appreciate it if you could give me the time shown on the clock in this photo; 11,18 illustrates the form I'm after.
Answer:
11,22
